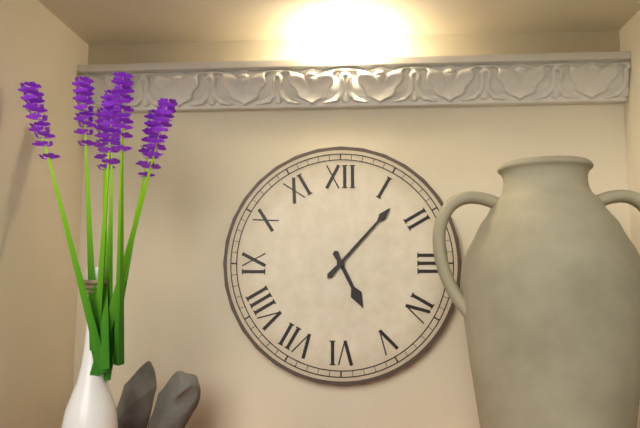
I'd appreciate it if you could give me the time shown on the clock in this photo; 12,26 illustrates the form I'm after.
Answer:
5,07
